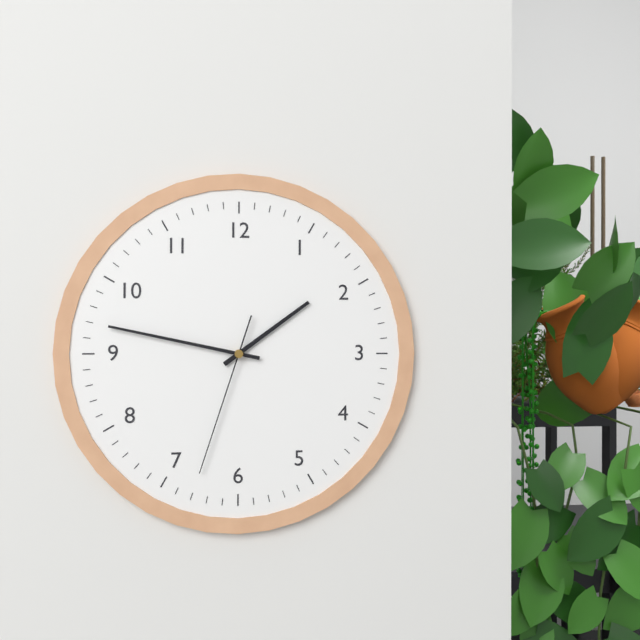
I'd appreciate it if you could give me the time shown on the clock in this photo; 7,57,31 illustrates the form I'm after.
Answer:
1,47,33
